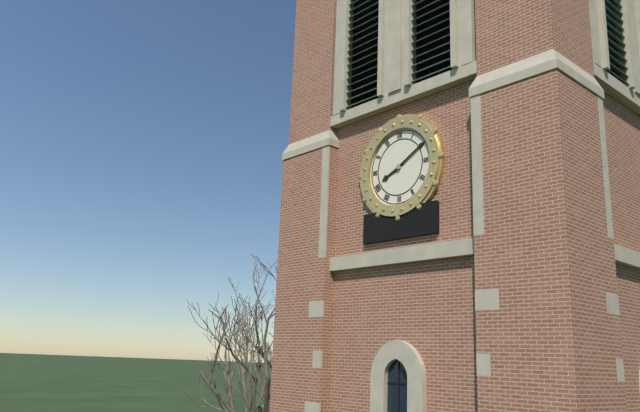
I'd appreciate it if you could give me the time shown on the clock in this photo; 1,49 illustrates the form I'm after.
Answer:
8,10
